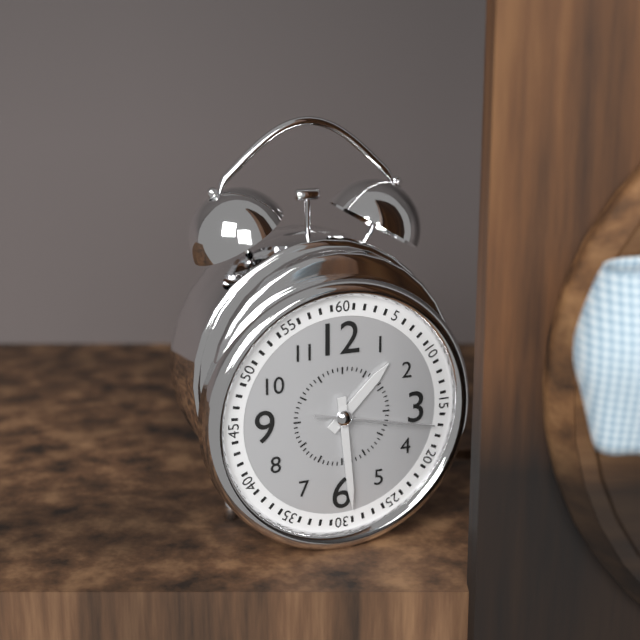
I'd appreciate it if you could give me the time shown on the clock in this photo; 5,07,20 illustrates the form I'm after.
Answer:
1,29,17
